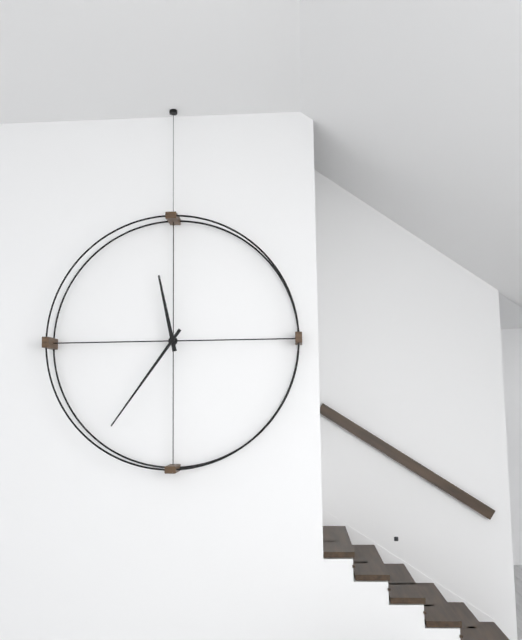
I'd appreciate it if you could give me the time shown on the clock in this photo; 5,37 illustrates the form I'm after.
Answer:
11,36
